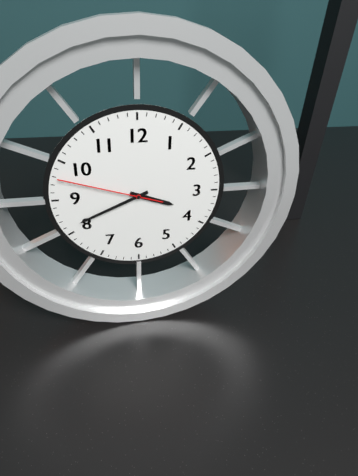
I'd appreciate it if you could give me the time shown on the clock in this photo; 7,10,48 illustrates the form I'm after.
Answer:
3,41,48
